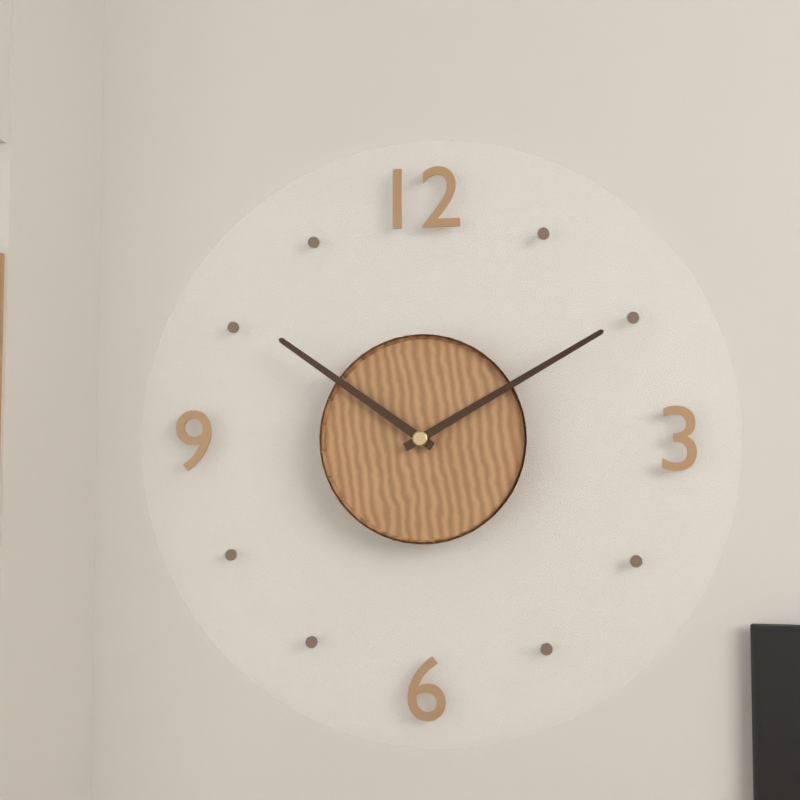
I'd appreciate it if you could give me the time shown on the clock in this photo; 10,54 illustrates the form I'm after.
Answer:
10,10
